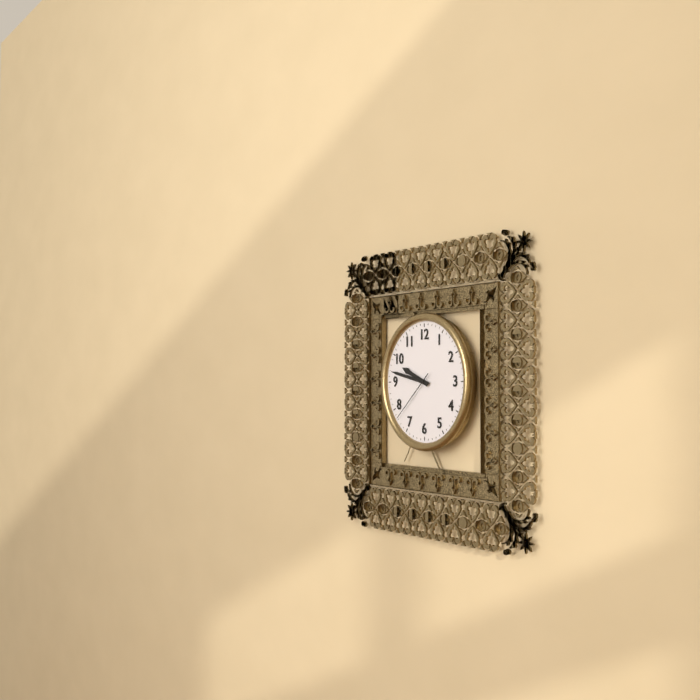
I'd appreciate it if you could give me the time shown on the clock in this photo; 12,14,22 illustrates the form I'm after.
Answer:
9,47,38
